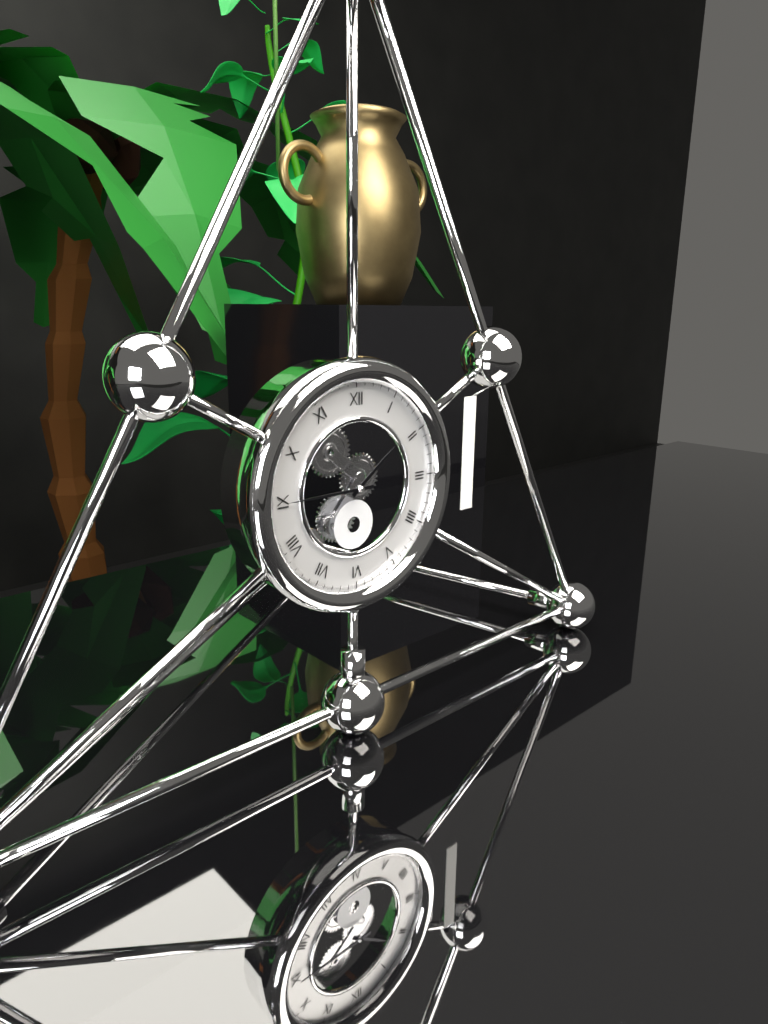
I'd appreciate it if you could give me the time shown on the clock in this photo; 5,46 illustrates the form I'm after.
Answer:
1,45
